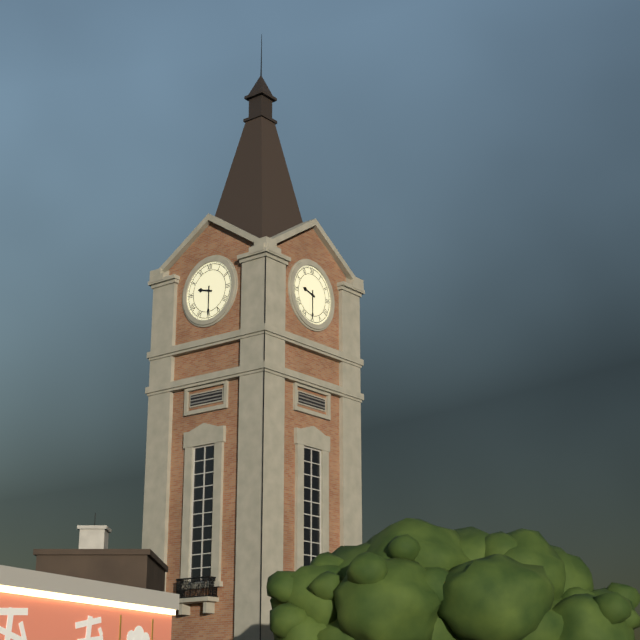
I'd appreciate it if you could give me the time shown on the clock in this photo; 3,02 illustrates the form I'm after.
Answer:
9,30
